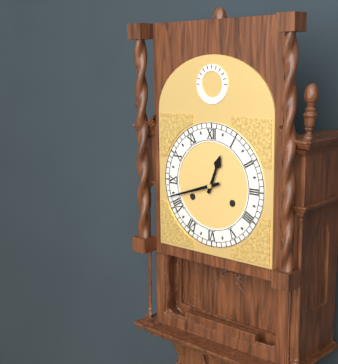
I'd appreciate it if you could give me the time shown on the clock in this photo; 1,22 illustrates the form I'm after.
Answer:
12,42
